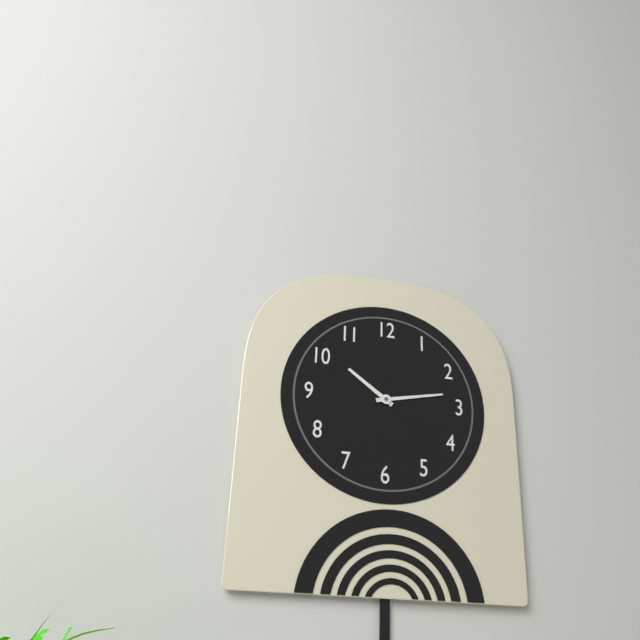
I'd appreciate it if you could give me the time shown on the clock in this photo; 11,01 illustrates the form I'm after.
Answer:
10,13
